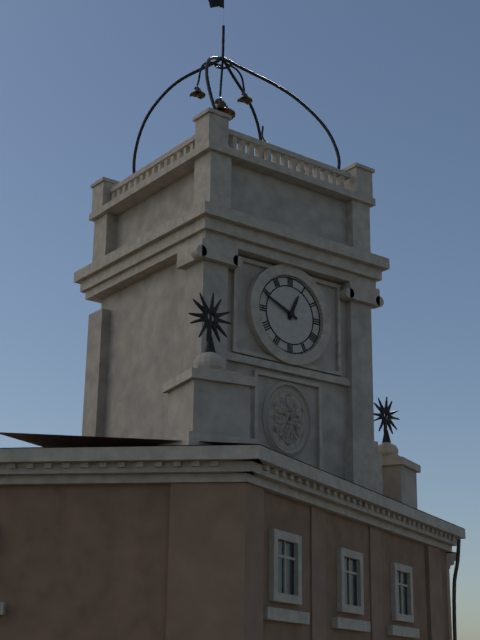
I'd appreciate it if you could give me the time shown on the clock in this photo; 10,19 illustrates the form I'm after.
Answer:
12,49
